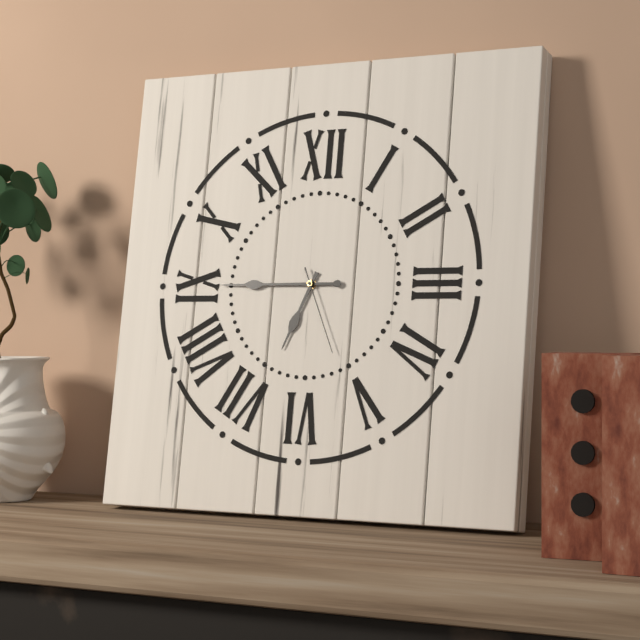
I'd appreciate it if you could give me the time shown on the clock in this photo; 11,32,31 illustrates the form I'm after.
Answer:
6,45,26
